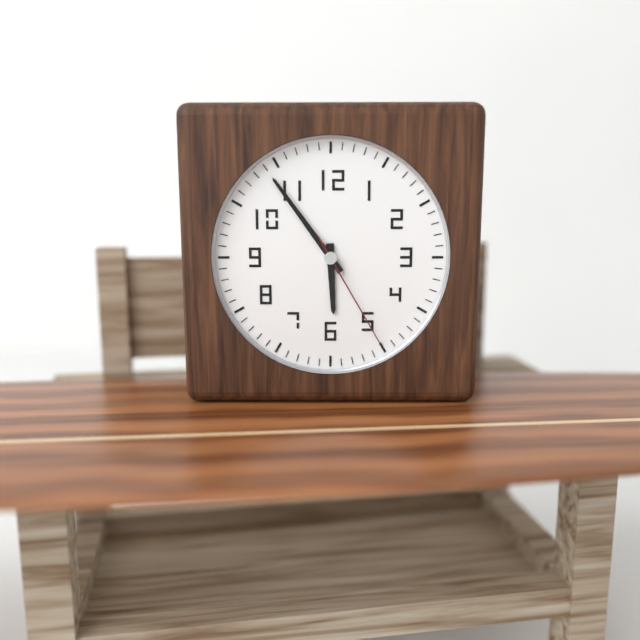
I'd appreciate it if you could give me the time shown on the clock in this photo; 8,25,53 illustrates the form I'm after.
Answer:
5,54,25
